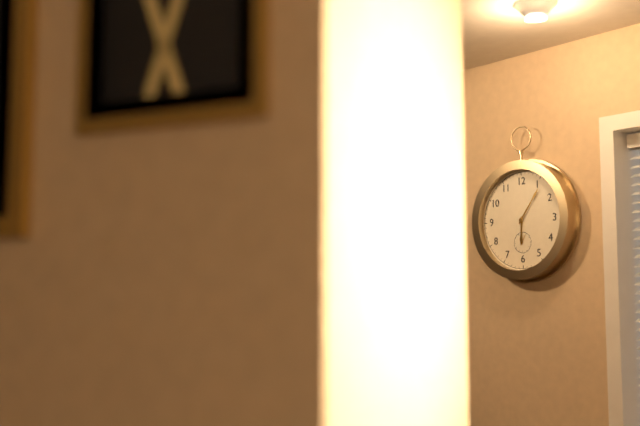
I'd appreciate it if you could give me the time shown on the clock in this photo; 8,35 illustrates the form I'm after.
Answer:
6,06
